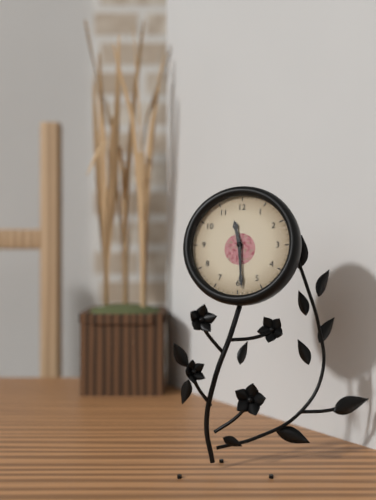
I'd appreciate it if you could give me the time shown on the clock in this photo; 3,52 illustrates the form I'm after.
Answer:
11,29
